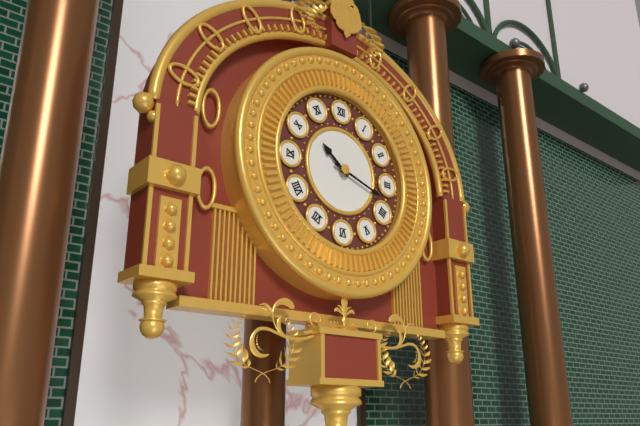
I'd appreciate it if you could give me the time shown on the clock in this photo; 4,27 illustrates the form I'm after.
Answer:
10,18
